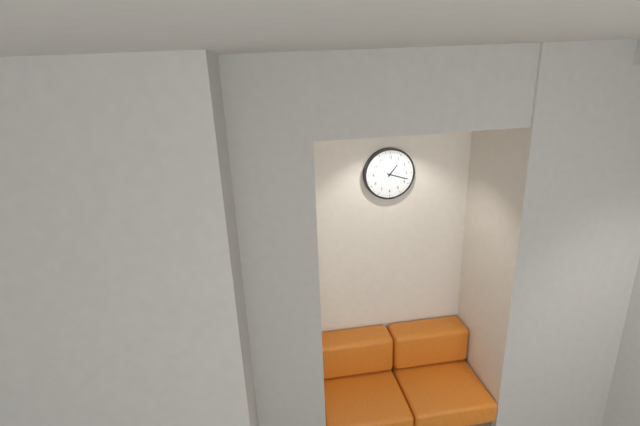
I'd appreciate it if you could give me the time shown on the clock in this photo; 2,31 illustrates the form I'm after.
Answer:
1,18
